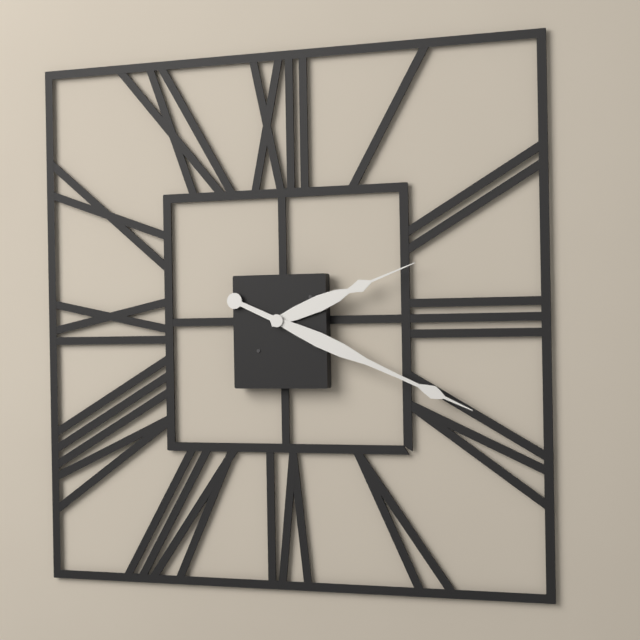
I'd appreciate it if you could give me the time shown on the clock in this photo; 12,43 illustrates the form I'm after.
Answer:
2,19
